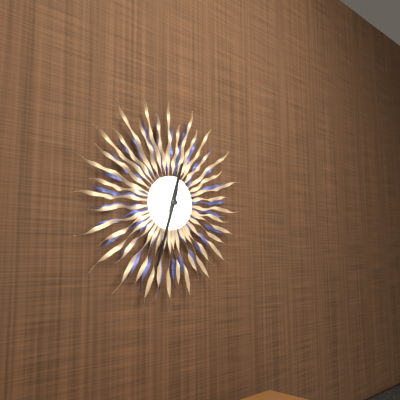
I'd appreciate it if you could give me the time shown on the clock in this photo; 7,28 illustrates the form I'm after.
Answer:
12,33
